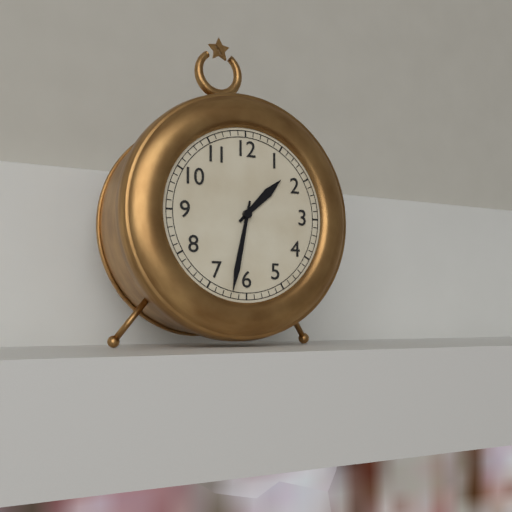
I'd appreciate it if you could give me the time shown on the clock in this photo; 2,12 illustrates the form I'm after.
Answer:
1,32
